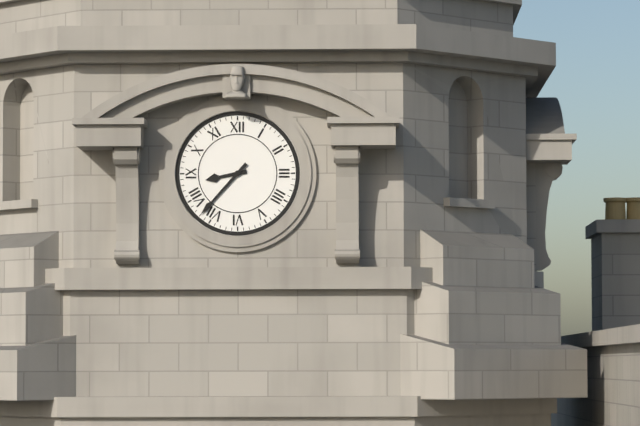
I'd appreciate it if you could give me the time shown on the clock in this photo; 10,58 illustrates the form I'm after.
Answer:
8,37
